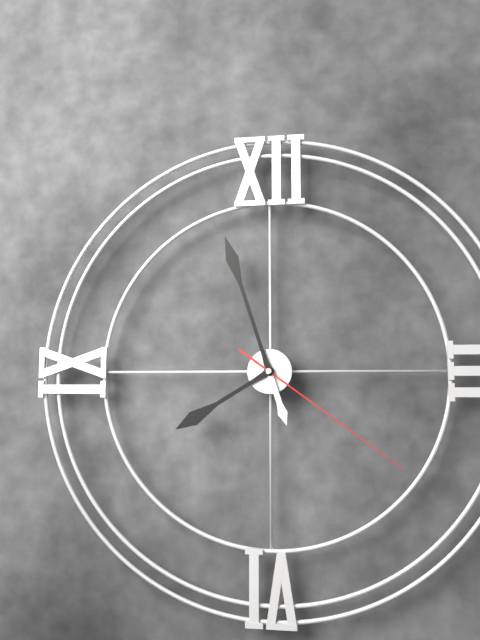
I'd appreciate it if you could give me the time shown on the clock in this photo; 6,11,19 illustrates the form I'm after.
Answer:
7,57,21
